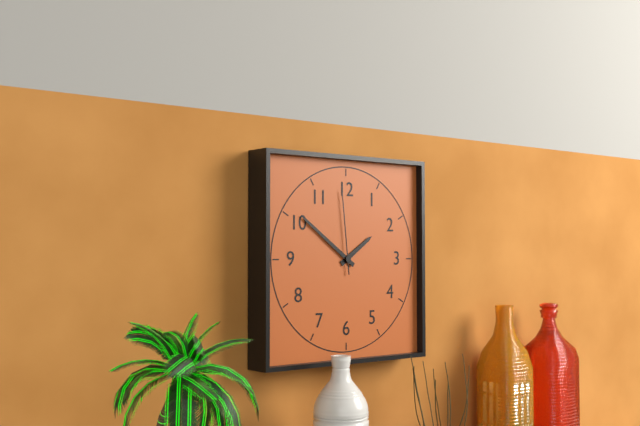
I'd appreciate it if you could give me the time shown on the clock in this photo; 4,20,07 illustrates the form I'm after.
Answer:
1,51,59
